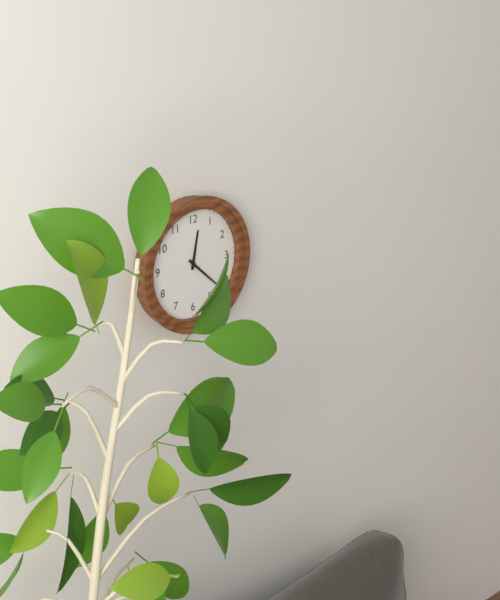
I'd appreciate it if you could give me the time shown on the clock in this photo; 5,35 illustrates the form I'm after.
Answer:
12,22
